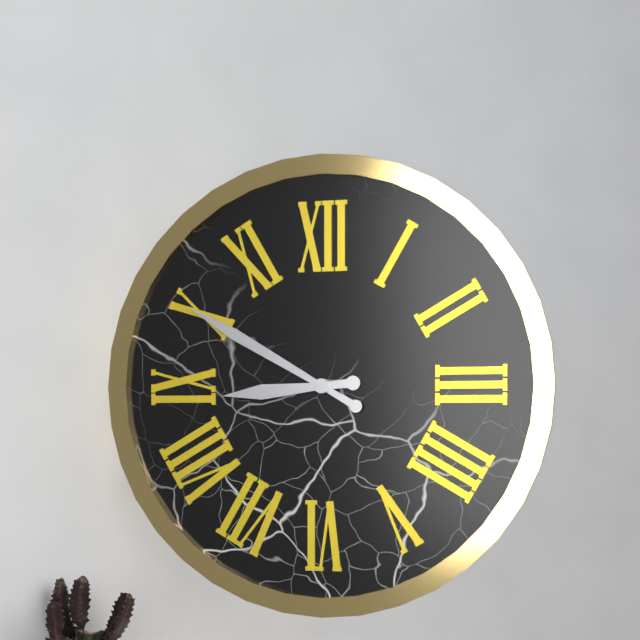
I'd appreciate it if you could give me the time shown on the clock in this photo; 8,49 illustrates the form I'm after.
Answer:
8,50
